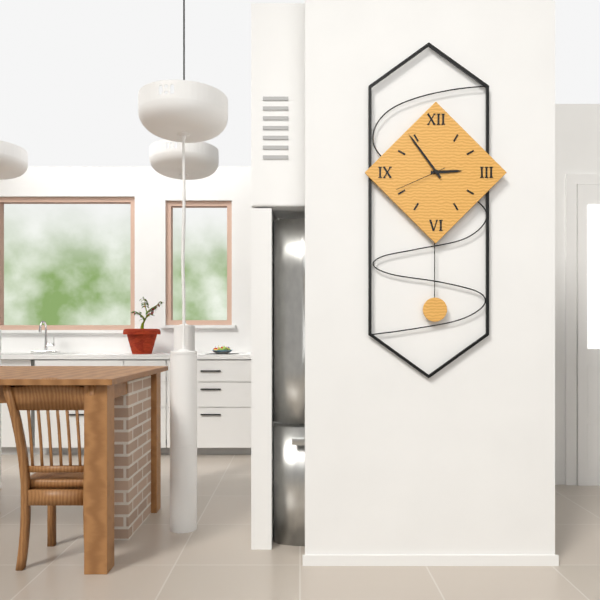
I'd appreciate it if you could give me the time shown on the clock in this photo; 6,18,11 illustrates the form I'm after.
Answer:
2,54,41
